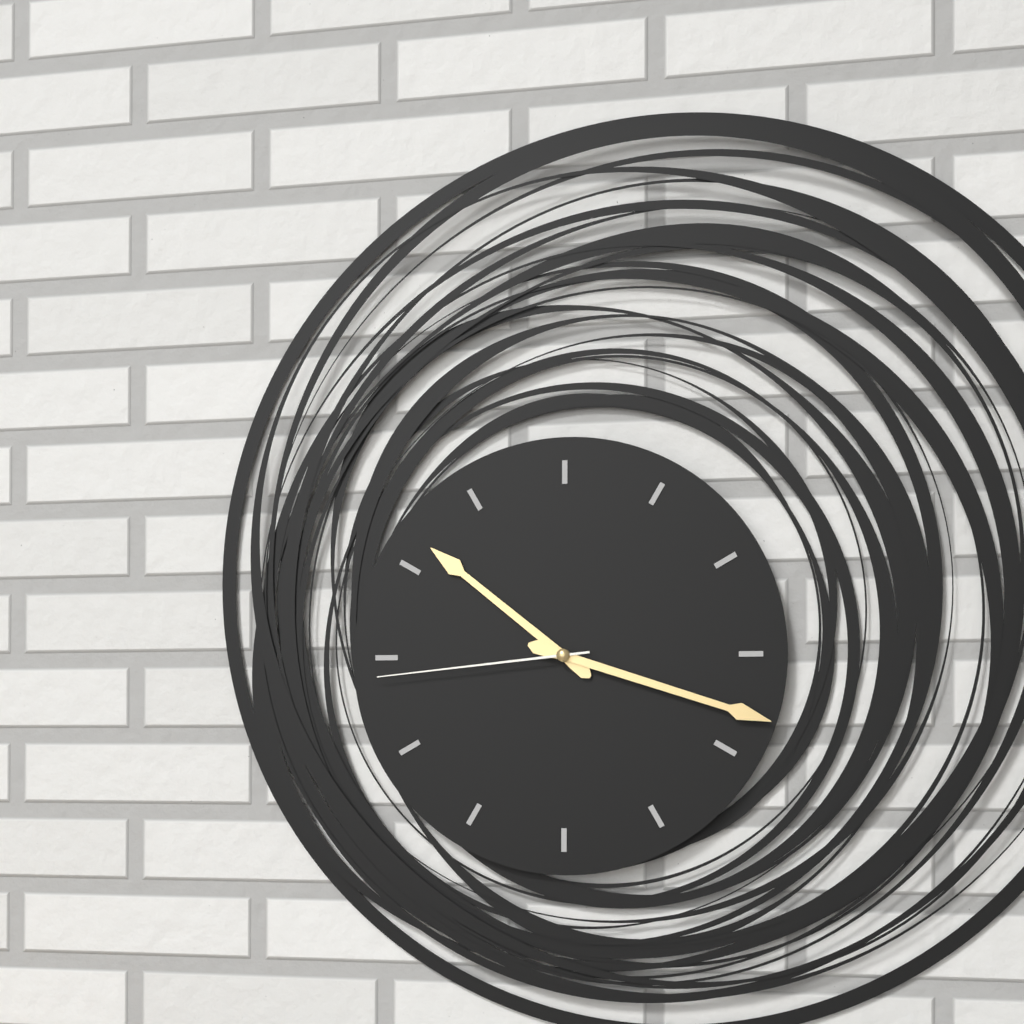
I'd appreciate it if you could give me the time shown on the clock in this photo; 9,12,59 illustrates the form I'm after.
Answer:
10,18,44
